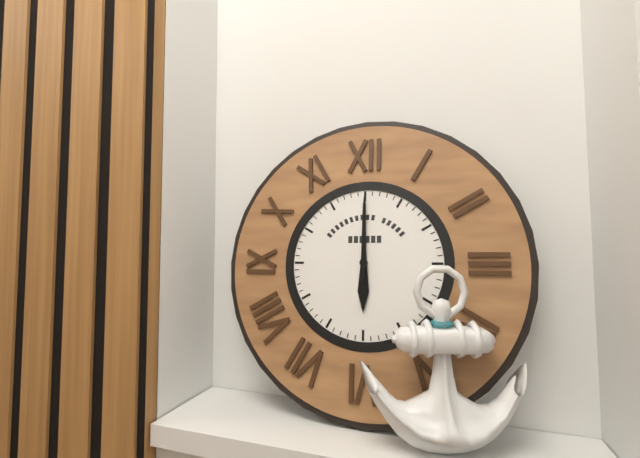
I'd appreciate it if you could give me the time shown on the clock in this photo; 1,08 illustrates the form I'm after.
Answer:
6,00
